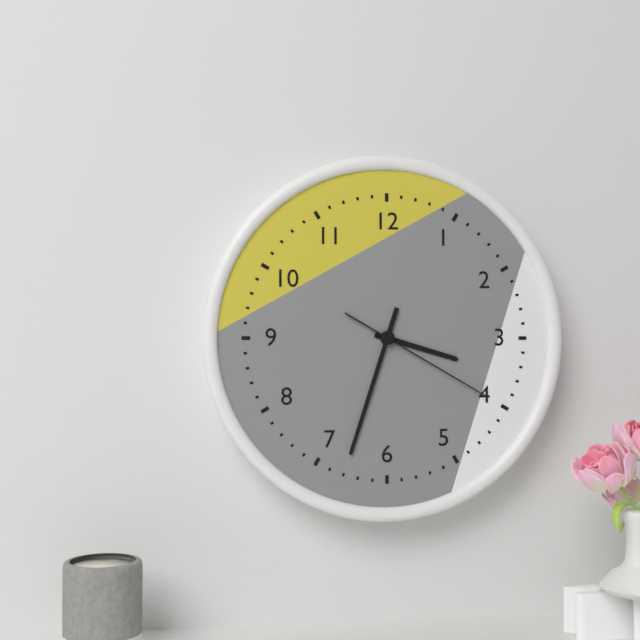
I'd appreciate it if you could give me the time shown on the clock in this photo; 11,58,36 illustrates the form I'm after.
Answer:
3,33,20
